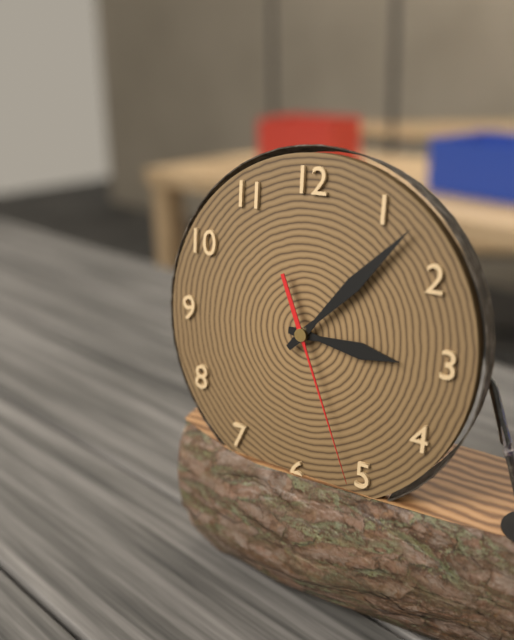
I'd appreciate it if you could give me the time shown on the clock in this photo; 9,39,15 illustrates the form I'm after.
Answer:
3,07,26
